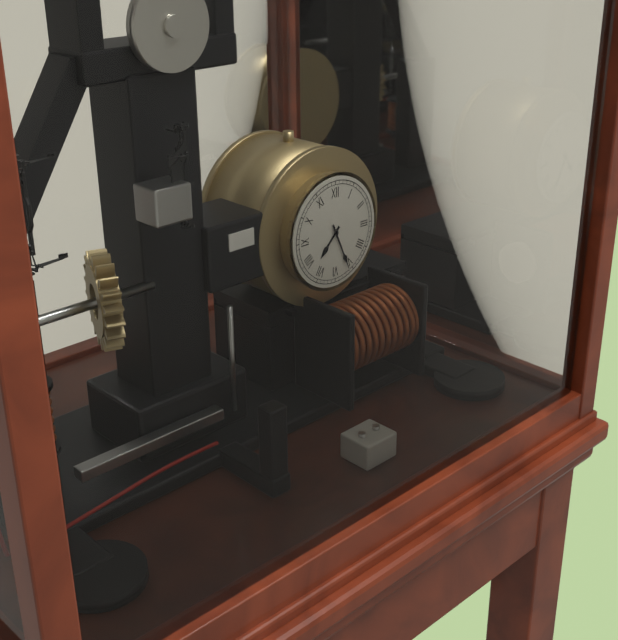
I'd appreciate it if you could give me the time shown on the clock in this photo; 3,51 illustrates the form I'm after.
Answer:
7,26
